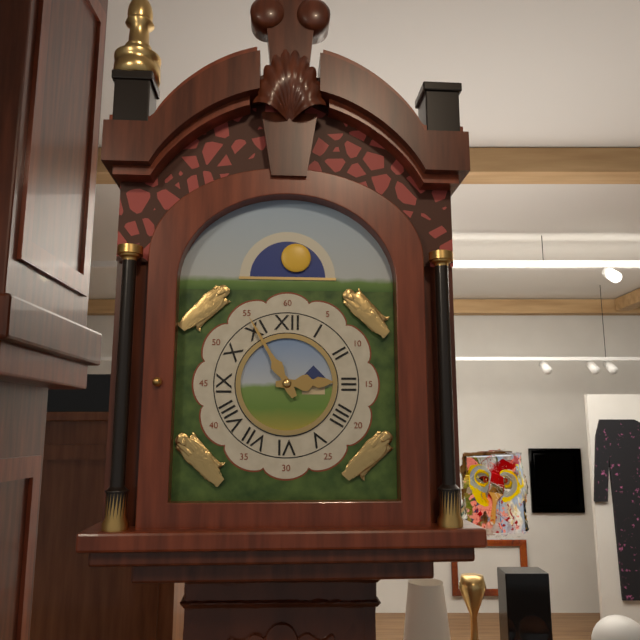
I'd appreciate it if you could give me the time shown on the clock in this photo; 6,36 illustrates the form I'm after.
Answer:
2,55
